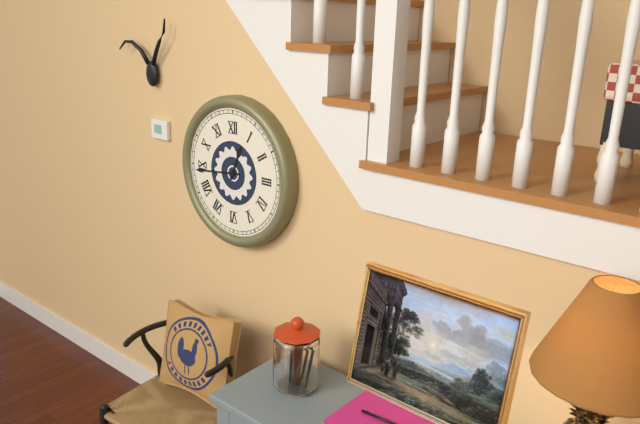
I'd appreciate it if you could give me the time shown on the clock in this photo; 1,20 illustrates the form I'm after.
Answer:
12,44
